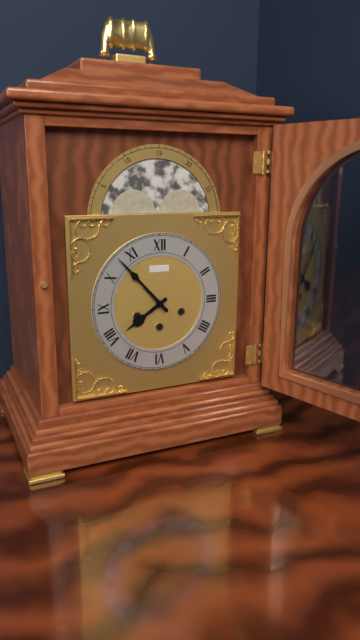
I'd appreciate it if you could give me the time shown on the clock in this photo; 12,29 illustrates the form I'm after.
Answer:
7,53
